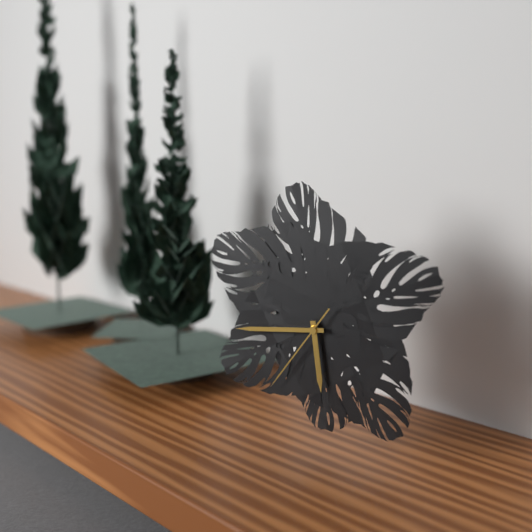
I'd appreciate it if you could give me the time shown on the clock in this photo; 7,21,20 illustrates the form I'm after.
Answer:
5,44,36
